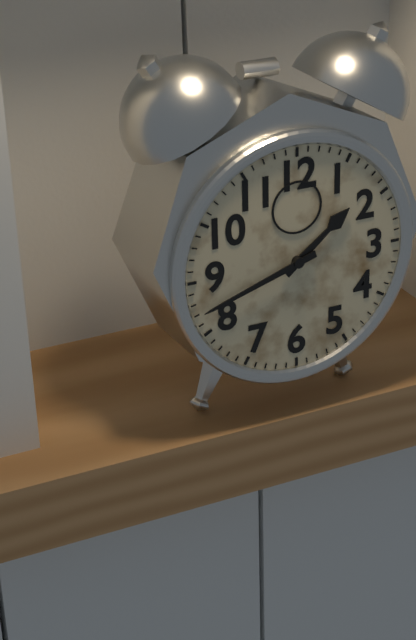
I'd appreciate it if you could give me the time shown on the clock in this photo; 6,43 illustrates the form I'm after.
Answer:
1,42
